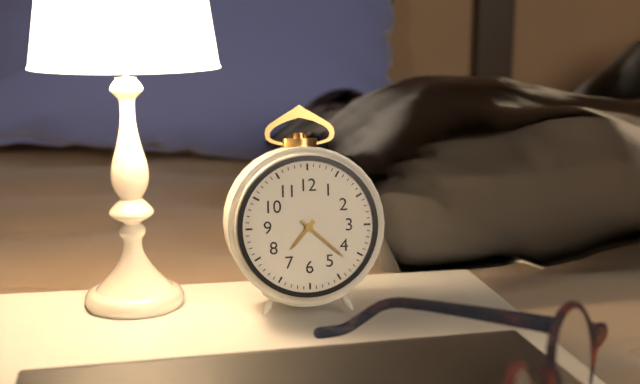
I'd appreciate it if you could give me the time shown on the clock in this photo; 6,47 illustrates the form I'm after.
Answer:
7,22
